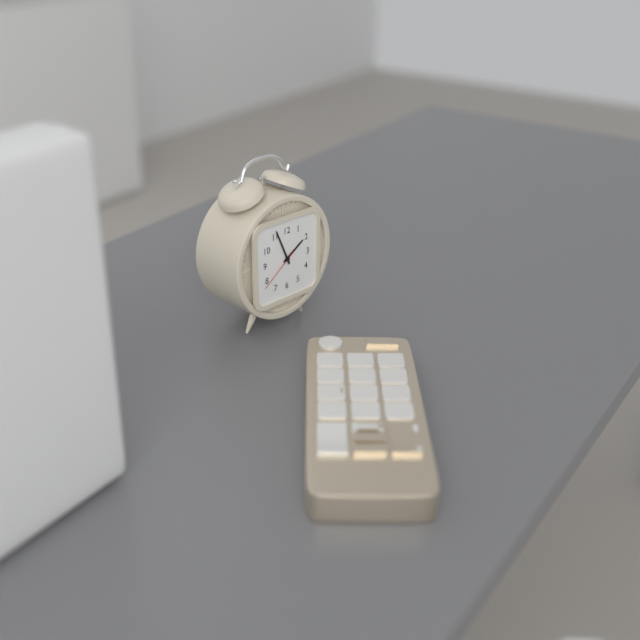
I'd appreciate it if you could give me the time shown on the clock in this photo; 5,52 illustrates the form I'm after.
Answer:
1,56
